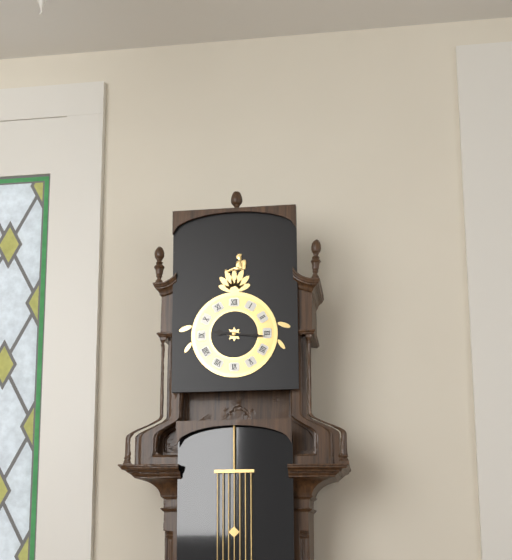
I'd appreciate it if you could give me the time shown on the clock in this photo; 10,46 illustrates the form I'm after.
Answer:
9,16
